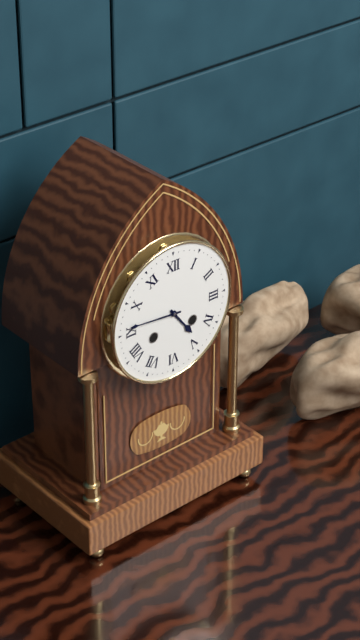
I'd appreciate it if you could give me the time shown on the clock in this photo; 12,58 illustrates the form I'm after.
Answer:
4,46
